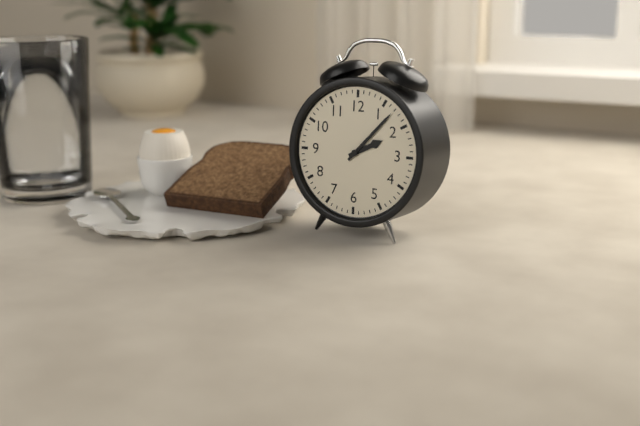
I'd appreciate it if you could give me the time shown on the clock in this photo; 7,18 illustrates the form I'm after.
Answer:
2,07
